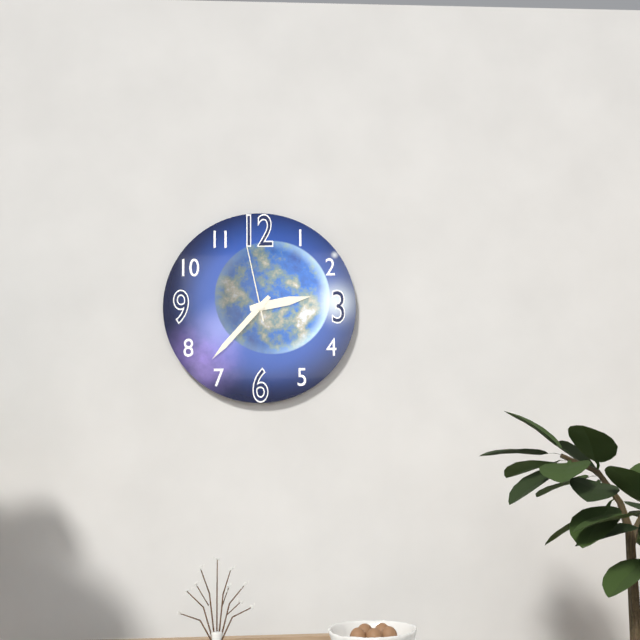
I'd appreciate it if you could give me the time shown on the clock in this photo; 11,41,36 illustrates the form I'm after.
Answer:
2,37,58
